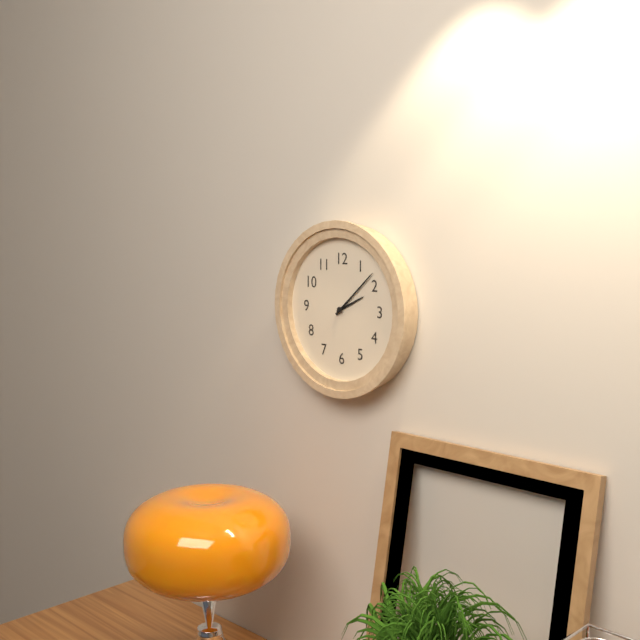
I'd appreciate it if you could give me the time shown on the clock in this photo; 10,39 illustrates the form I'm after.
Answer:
2,08
